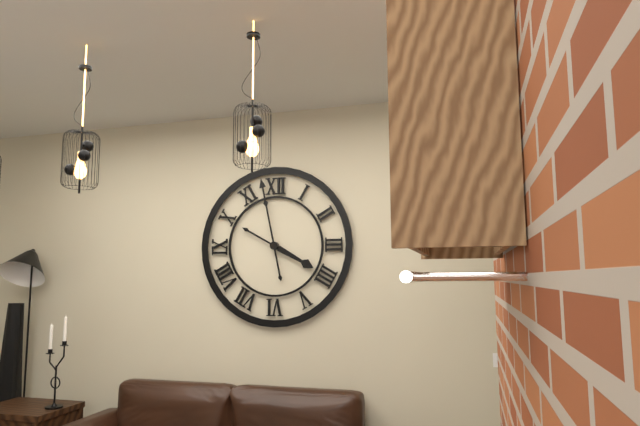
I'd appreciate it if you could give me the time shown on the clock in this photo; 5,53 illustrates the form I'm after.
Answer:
3,58
